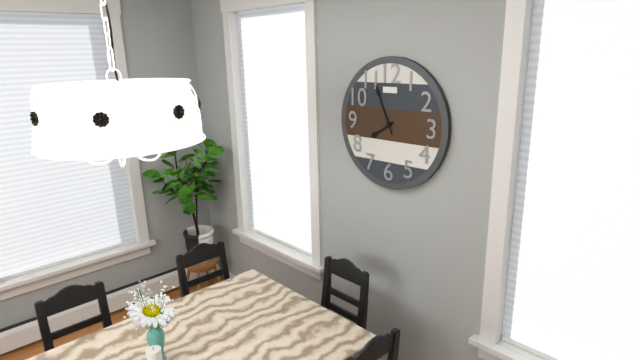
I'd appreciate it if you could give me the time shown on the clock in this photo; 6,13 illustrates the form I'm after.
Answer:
7,56
